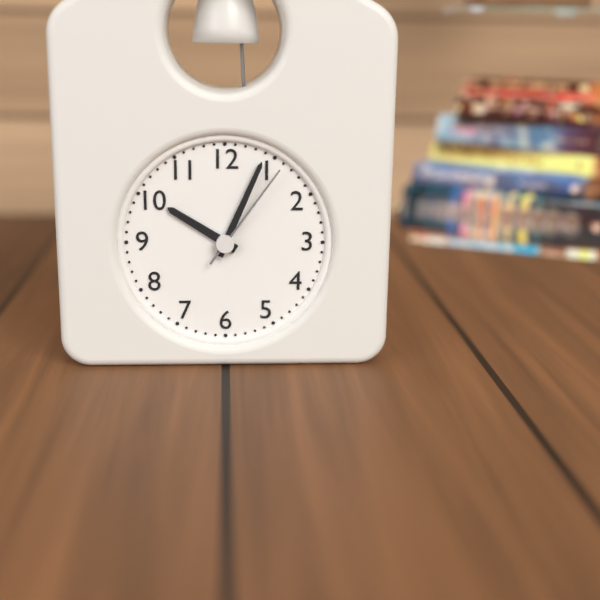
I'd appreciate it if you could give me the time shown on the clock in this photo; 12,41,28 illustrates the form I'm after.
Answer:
10,04,06
